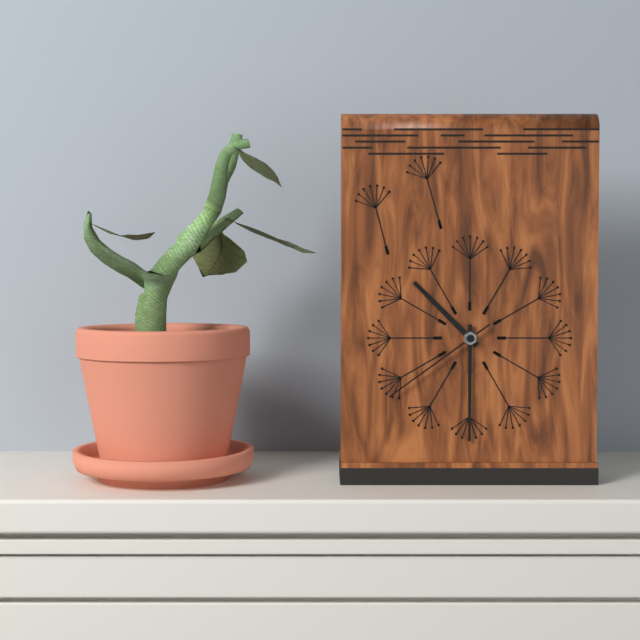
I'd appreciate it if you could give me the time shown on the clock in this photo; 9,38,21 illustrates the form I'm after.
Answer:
10,30,39
